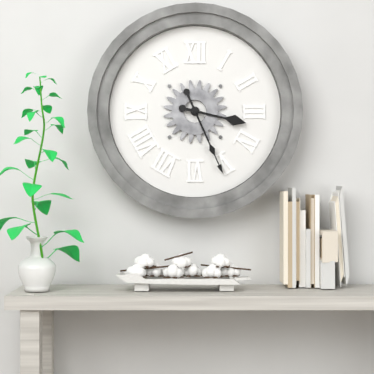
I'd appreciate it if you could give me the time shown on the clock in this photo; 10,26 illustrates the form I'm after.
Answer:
3,26
